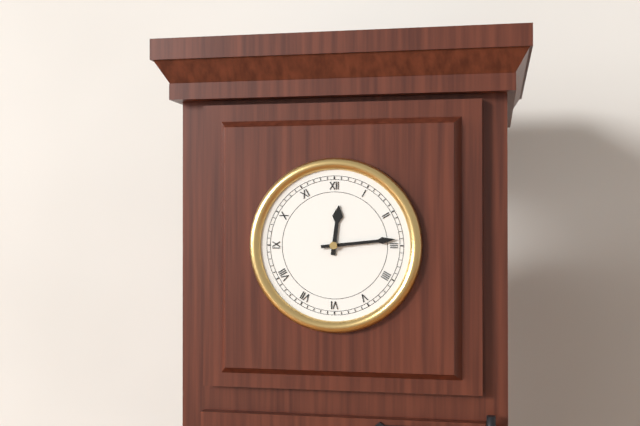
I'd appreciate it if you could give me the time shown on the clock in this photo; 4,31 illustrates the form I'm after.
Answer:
12,14
